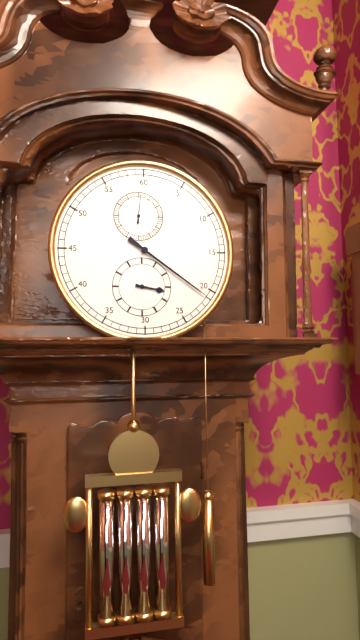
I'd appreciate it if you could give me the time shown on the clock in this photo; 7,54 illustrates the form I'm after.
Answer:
3,21
